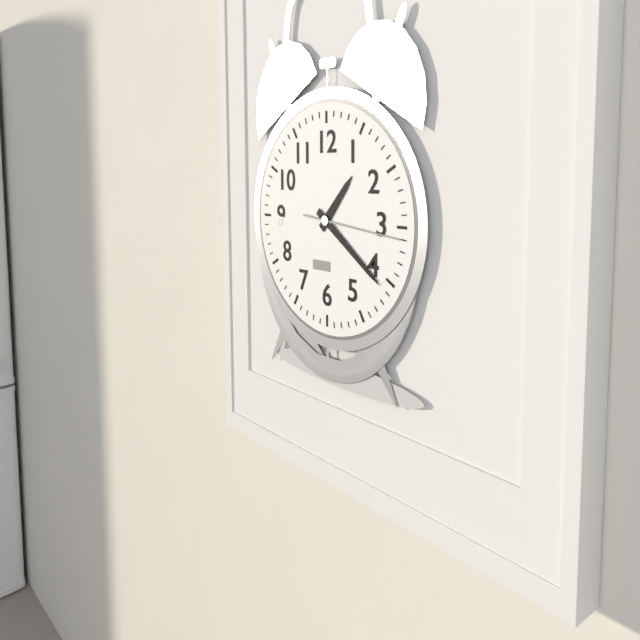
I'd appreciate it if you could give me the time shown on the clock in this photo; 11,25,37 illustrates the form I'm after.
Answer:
1,21,16
